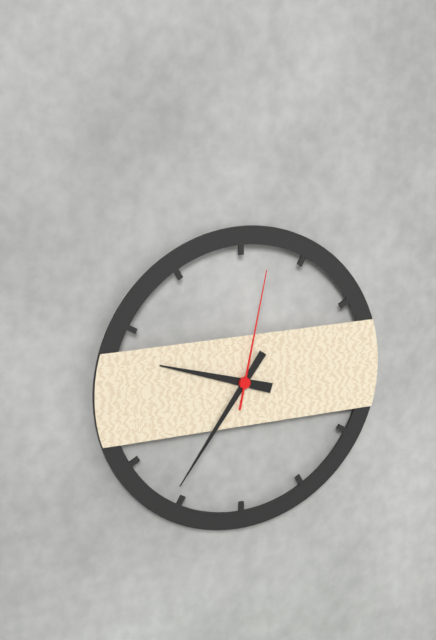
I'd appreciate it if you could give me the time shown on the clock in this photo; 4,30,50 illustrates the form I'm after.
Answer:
9,36,02
